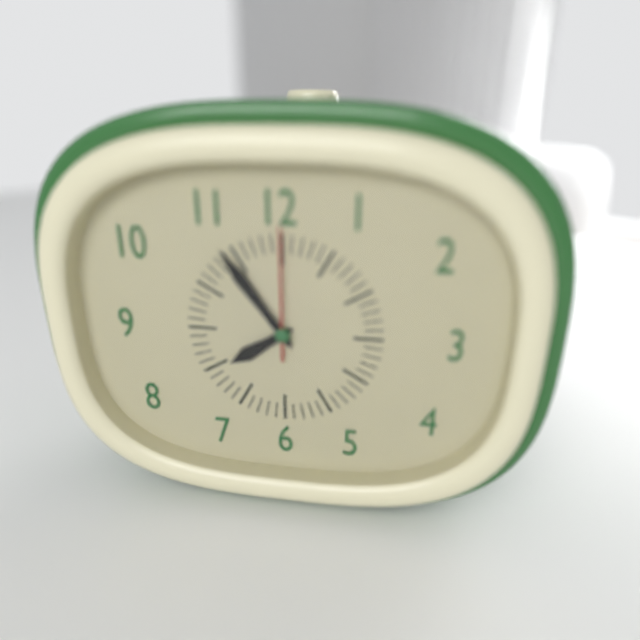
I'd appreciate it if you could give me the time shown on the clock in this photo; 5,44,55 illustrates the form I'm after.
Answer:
7,54,00
